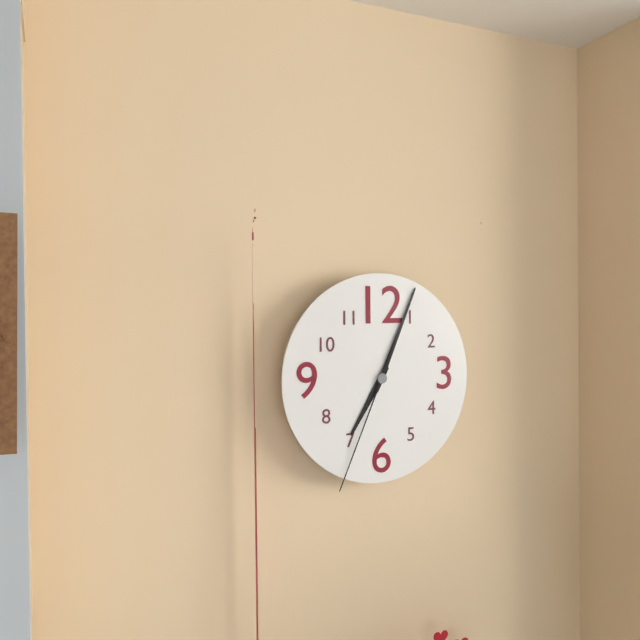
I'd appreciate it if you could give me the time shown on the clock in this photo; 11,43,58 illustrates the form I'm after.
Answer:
7,04,34
